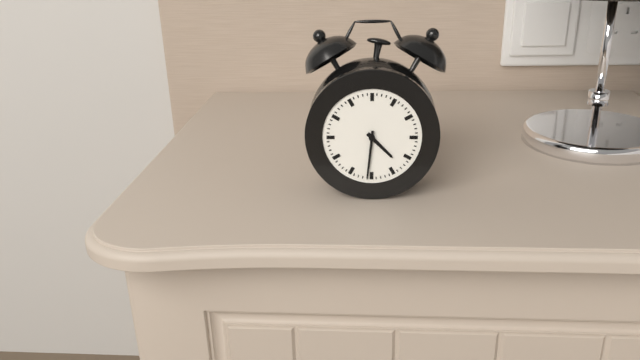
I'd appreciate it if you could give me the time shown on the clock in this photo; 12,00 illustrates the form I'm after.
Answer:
4,31
